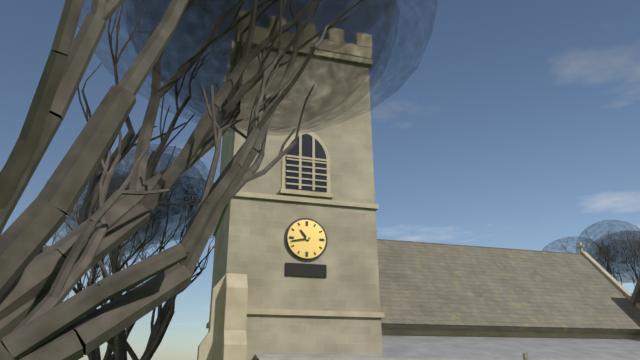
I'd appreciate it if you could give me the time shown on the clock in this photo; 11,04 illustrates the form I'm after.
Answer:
10,43
